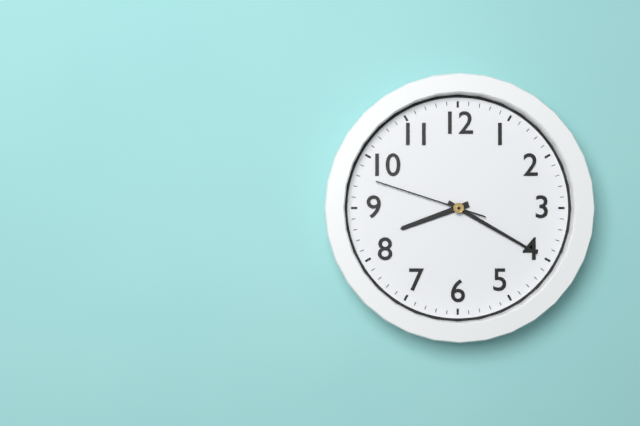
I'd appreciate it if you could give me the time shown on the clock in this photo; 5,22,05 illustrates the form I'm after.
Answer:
8,20,48
